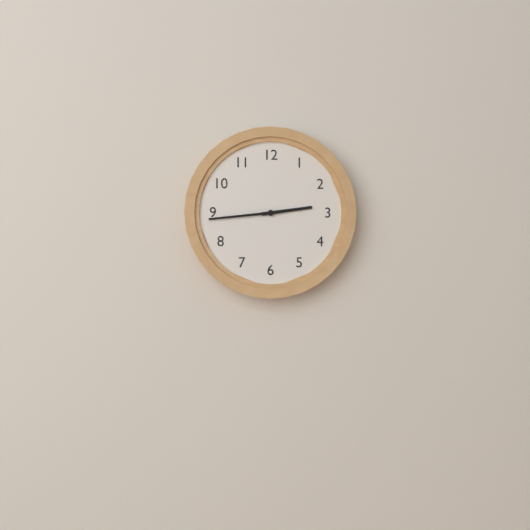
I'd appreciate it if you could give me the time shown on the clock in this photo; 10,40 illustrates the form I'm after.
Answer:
2,44
